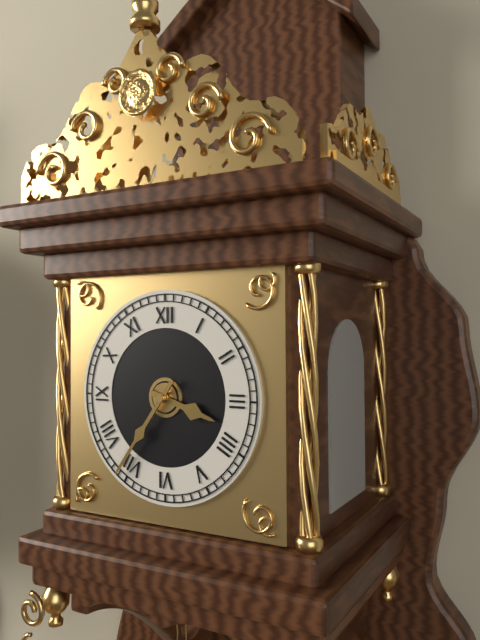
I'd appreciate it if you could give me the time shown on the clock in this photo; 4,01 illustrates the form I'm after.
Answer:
3,36
